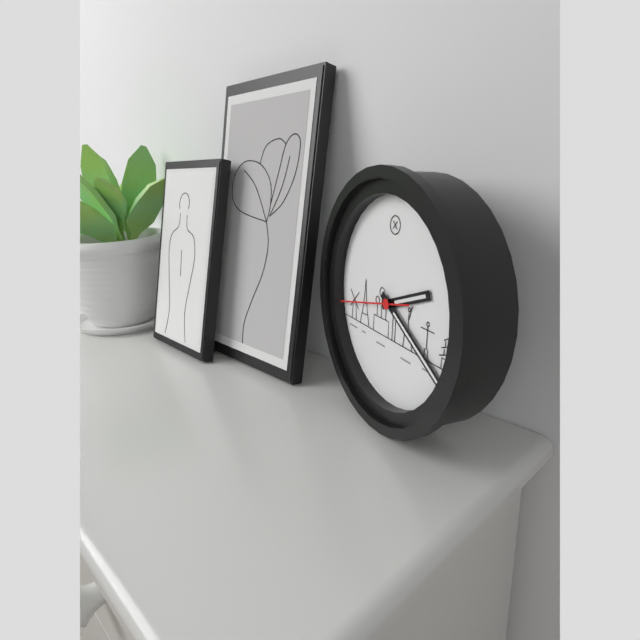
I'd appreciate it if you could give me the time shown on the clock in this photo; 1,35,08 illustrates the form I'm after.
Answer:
2,20,43
